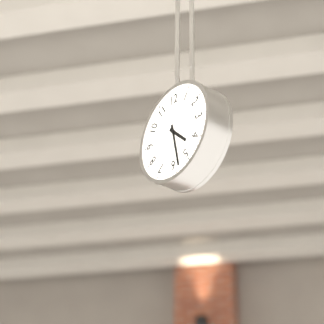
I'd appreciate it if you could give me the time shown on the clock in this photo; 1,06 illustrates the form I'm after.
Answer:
4,28
